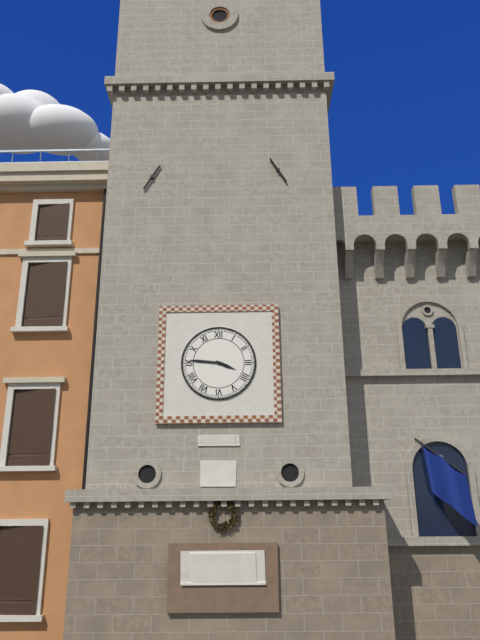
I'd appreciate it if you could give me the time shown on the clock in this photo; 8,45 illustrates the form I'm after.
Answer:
3,46
